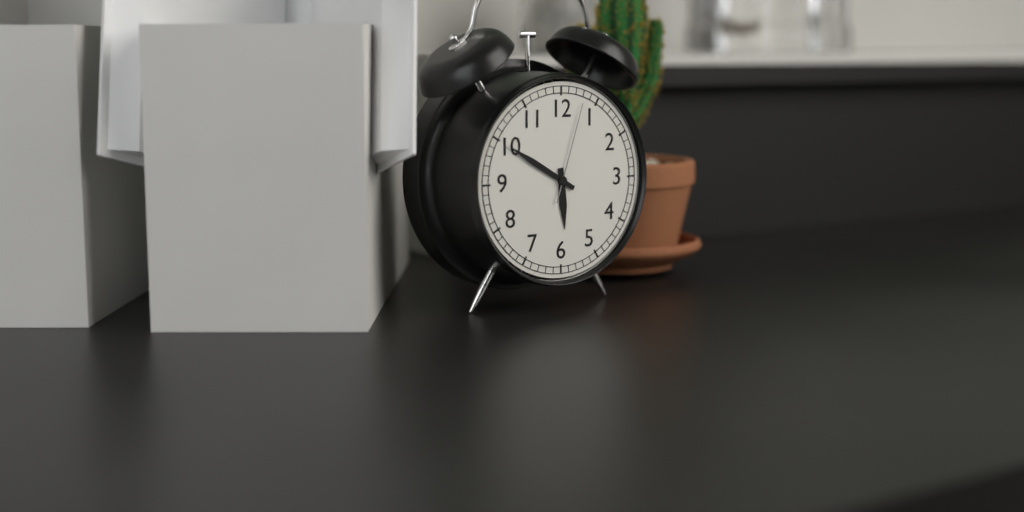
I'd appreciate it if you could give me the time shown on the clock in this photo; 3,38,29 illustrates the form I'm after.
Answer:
5,50,03
